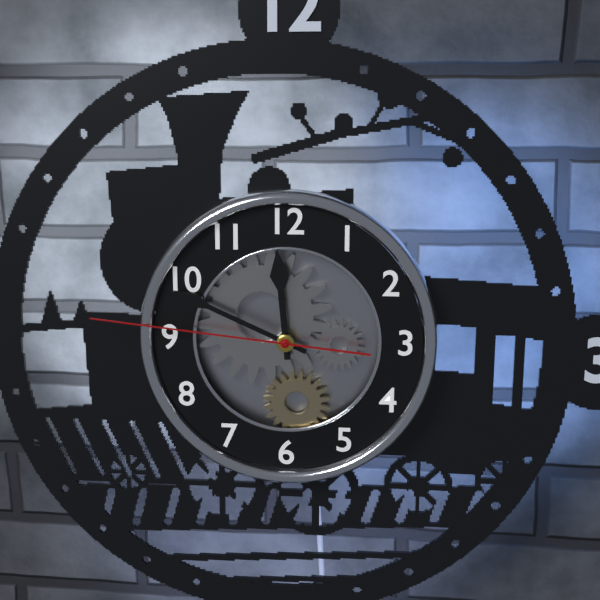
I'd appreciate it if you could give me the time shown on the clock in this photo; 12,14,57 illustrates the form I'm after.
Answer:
11,49,46
